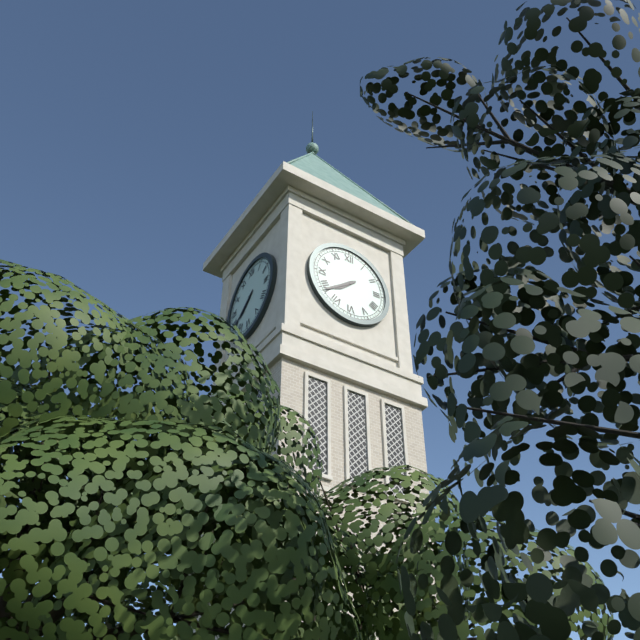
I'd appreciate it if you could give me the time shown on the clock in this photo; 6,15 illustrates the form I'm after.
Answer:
7,39
